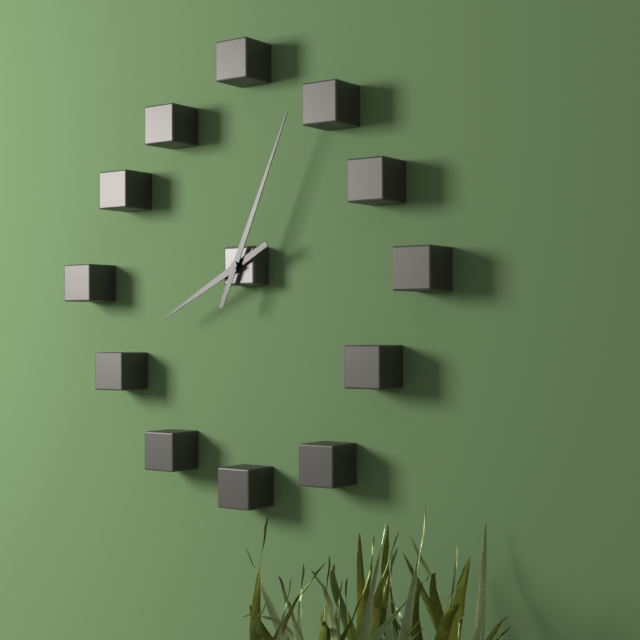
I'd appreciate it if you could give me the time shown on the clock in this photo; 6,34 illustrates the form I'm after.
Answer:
8,04
